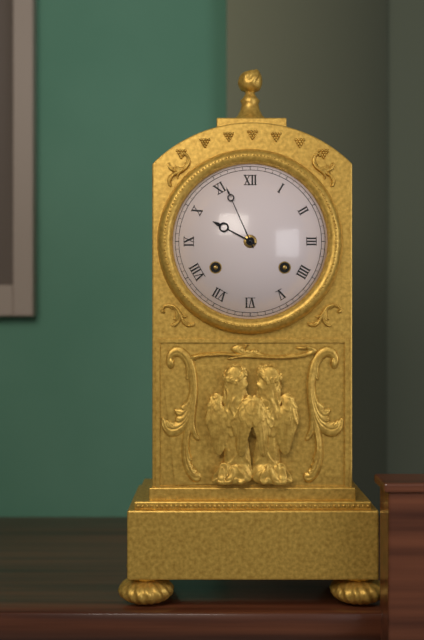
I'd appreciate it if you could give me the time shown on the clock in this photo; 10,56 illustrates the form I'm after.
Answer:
9,56
